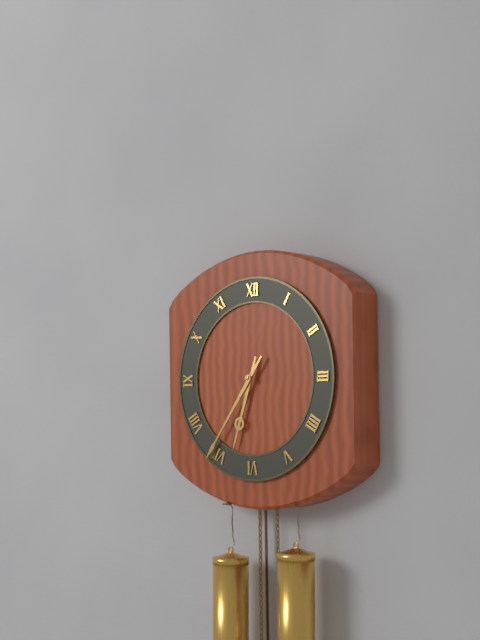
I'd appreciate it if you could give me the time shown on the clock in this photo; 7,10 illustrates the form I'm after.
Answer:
6,36
